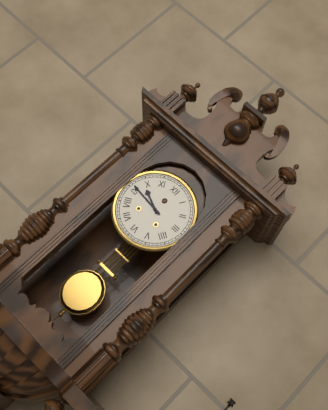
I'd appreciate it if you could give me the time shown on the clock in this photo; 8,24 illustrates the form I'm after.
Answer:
9,46
